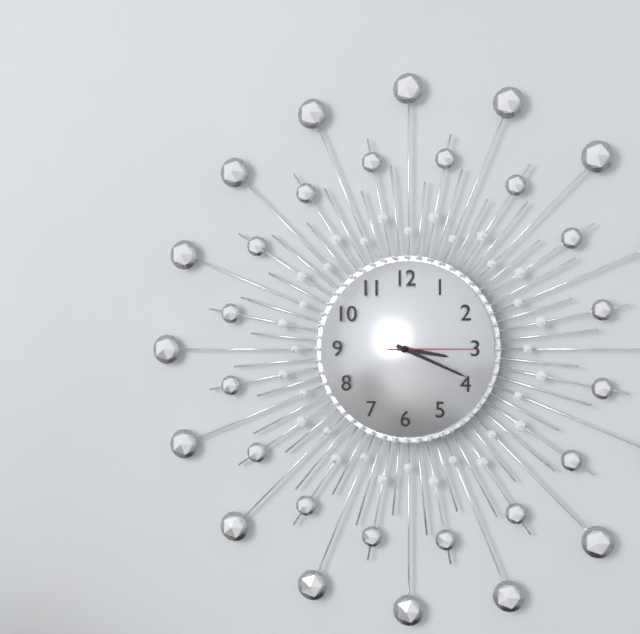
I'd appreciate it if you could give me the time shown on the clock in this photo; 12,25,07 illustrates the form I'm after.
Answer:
3,19,15
